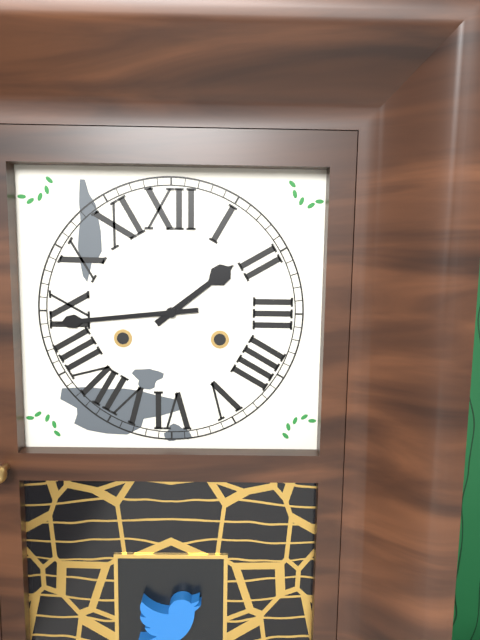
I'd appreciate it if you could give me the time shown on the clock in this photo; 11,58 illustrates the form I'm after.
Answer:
1,44
